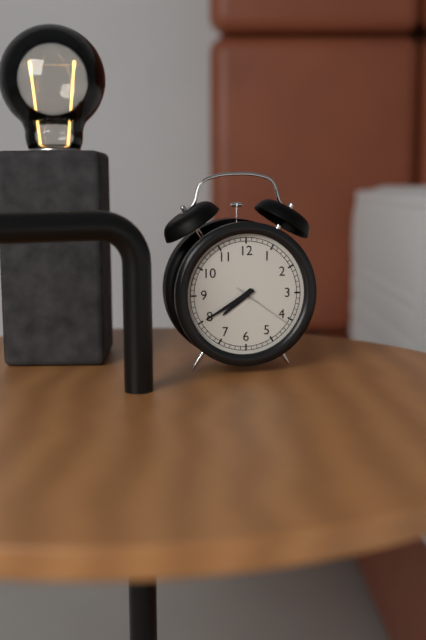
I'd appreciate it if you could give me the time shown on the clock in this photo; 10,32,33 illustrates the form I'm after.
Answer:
7,40,21
